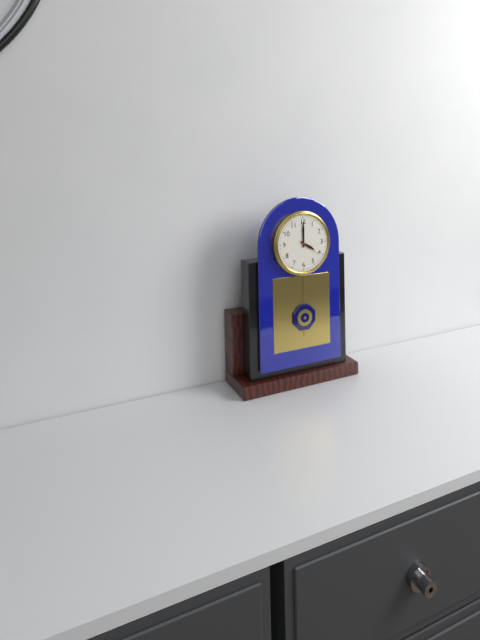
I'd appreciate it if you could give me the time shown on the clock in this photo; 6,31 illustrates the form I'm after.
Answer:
4,00
